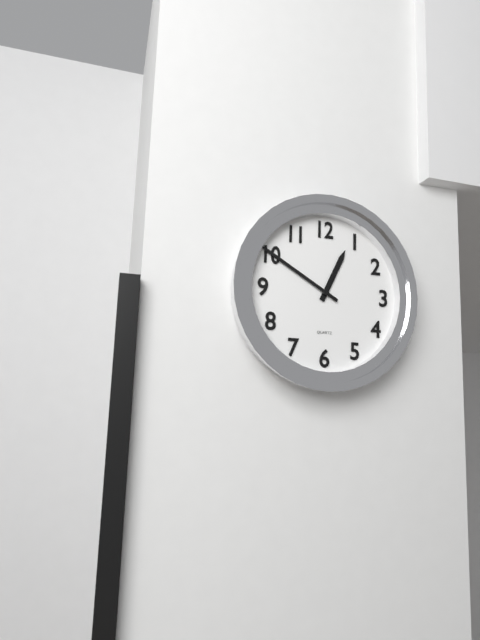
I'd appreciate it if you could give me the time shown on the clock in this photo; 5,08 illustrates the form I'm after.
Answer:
12,50
